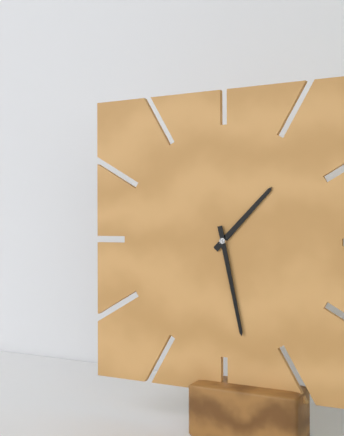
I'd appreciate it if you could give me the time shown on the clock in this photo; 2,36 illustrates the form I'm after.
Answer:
1,28
